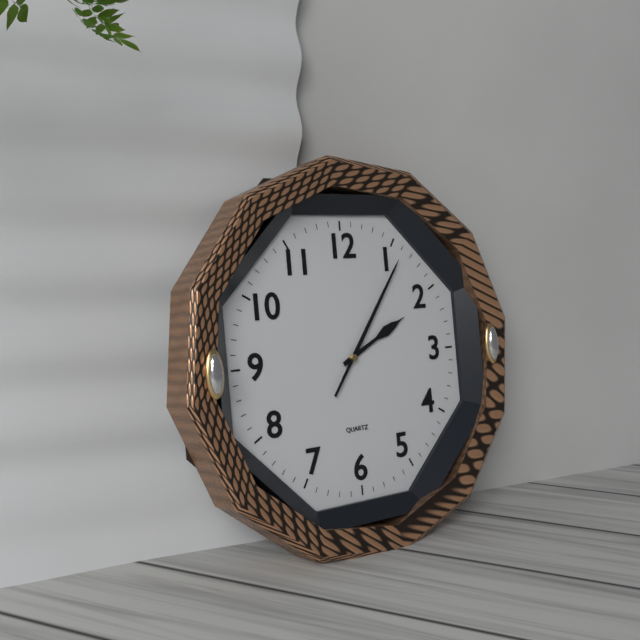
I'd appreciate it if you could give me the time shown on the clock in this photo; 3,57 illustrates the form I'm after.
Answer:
2,06
